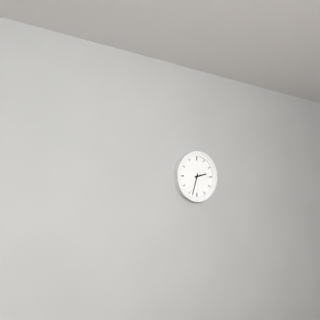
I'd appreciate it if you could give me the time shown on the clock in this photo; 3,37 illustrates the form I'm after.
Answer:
2,33
